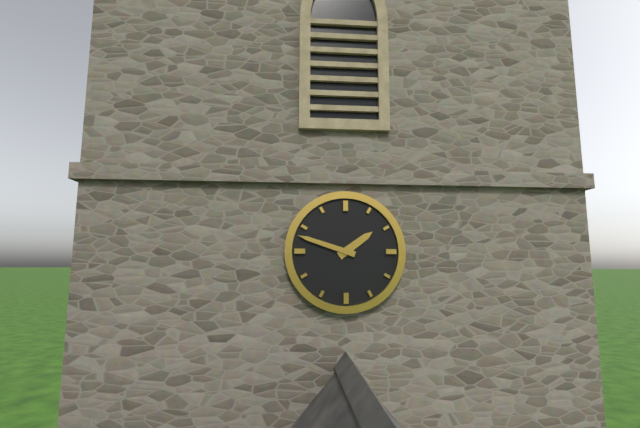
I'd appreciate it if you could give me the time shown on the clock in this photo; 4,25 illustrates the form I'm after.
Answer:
1,48
